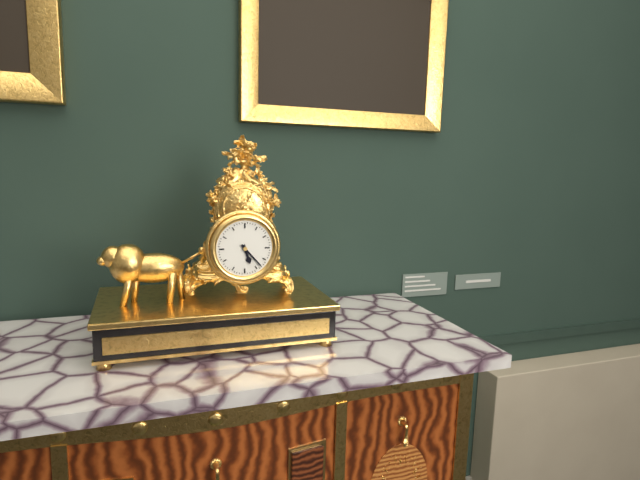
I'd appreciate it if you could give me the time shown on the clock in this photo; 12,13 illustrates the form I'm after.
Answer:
5,23
